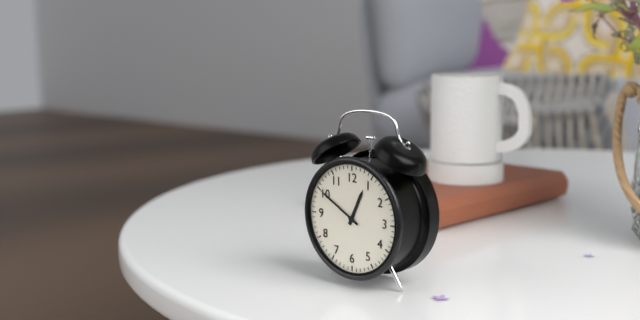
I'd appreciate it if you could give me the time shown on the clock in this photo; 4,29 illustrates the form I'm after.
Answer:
12,50
